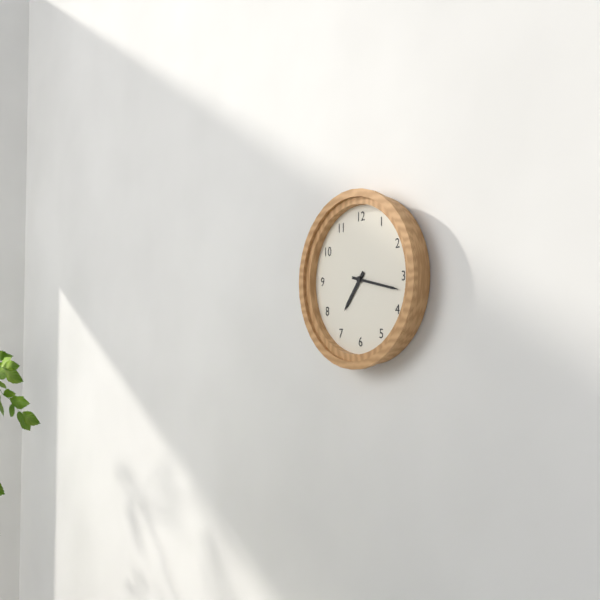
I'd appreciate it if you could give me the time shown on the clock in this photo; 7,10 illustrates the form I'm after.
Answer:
7,17
